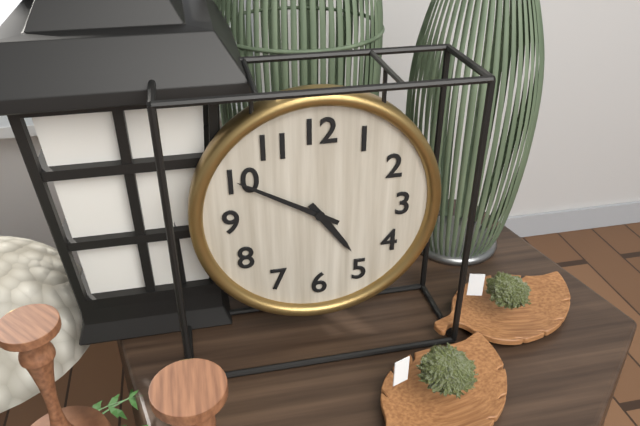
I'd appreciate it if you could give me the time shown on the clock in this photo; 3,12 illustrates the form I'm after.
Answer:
4,50
